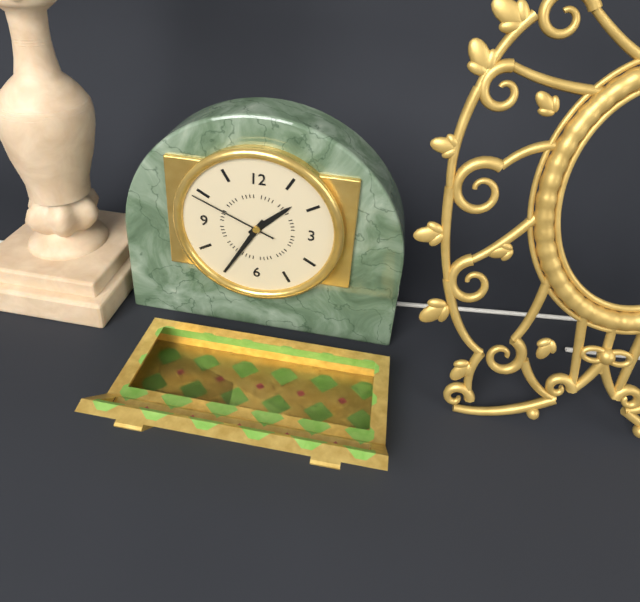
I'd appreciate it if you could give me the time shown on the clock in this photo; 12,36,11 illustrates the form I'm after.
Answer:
1,35,49
